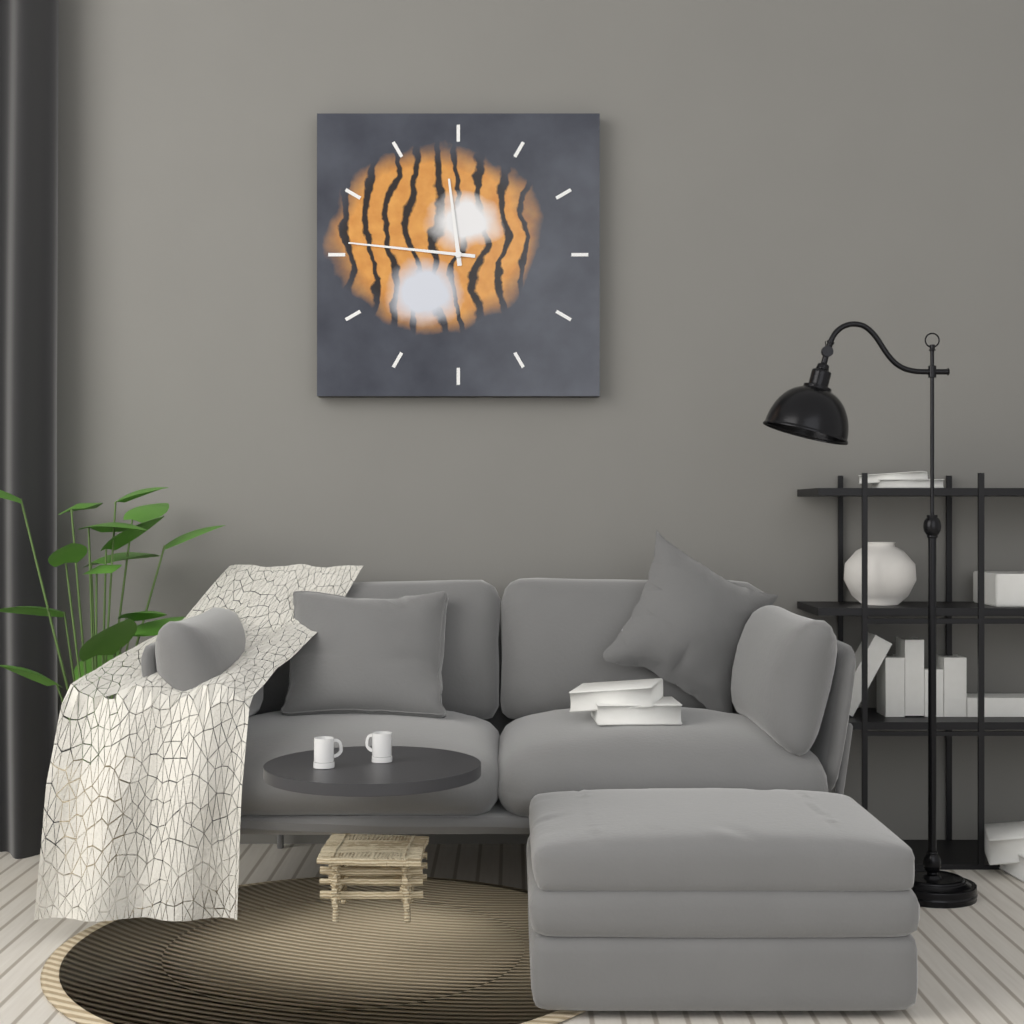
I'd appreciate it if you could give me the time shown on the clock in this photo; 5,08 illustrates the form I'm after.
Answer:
11,46
